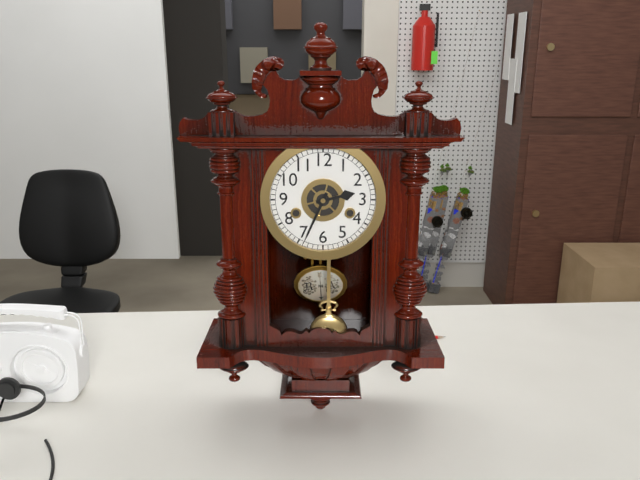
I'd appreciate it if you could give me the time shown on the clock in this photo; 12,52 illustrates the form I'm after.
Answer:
2,34
